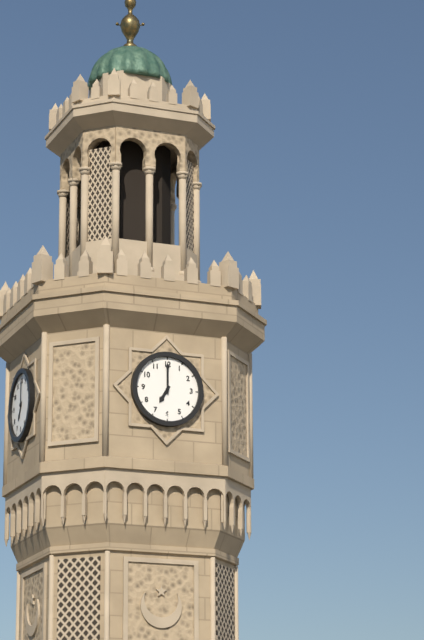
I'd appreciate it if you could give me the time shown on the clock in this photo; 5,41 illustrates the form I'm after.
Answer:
7,00
